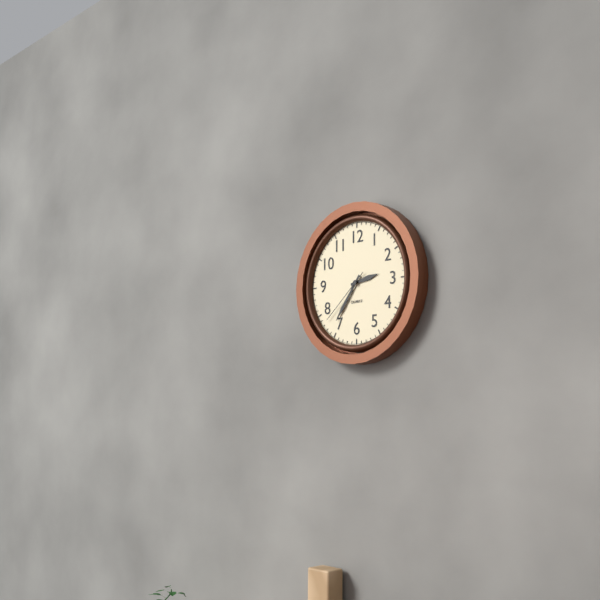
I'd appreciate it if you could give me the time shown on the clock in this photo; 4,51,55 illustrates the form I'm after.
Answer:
2,36,38
